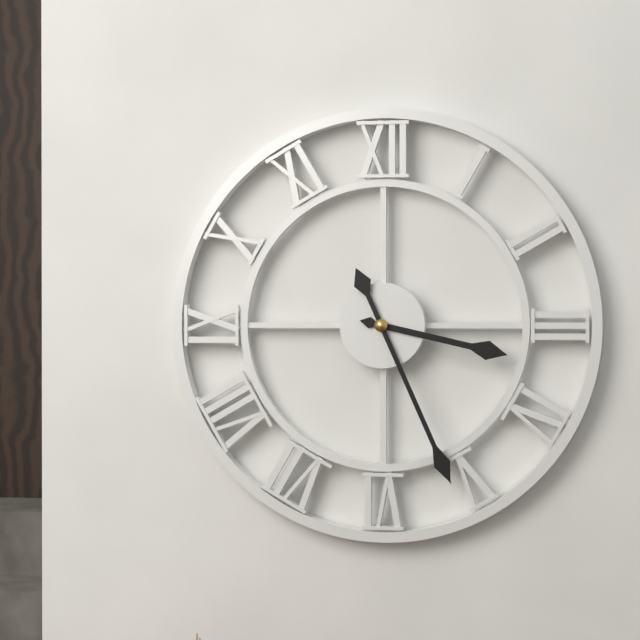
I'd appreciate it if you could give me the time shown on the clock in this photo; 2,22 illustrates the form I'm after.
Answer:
3,26
